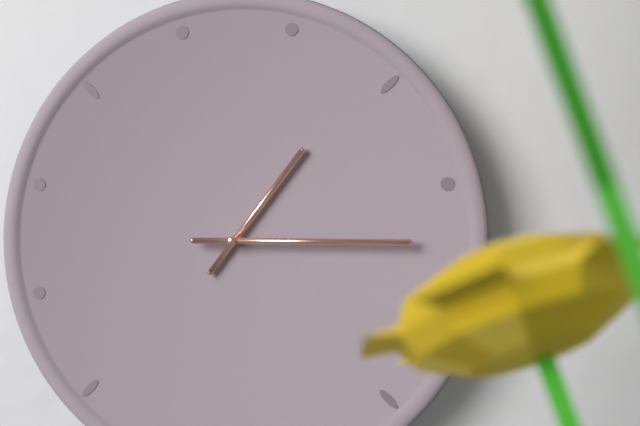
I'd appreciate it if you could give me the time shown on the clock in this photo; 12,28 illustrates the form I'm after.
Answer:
1,15
